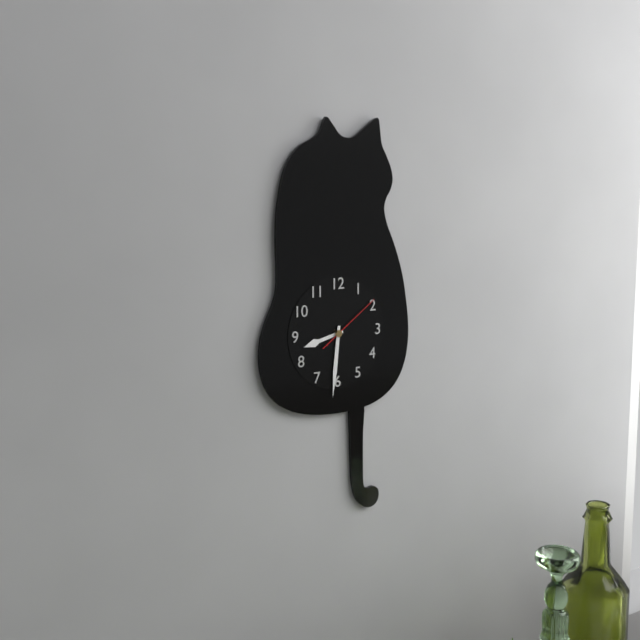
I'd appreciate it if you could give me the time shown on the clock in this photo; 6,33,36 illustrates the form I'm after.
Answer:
8,31,09
